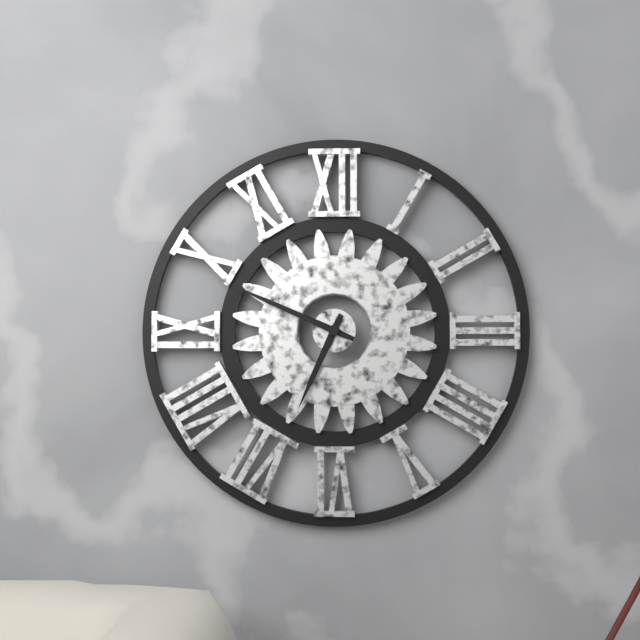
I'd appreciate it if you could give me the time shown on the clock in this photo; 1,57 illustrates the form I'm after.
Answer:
6,49
